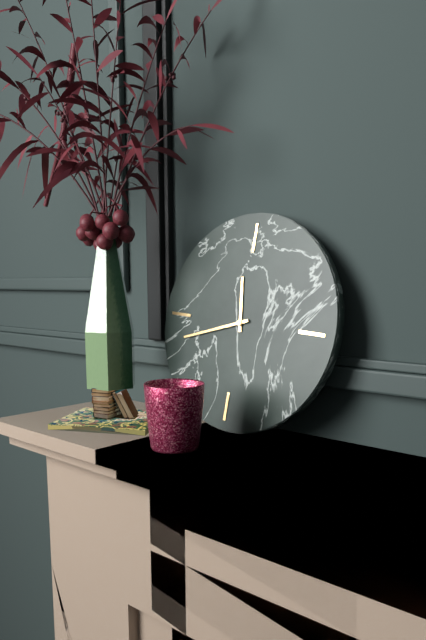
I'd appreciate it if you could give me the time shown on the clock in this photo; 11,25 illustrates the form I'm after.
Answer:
11,42
